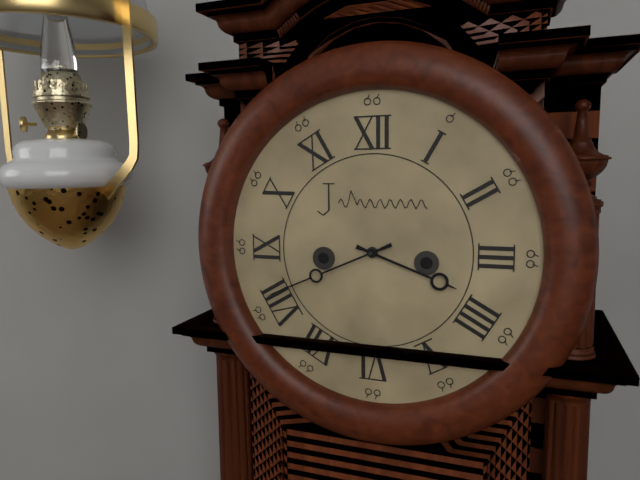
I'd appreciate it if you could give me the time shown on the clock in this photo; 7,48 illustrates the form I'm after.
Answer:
3,41
